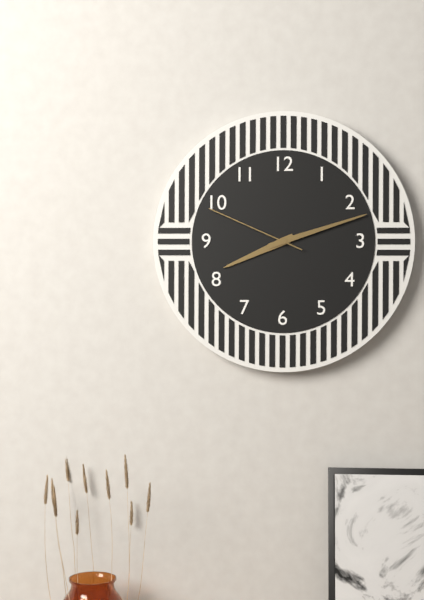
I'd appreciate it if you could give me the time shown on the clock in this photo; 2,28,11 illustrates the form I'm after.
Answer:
8,12,49
